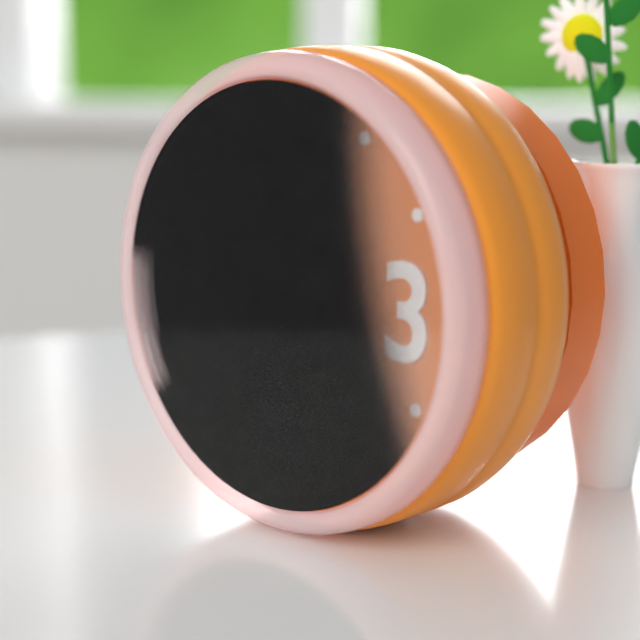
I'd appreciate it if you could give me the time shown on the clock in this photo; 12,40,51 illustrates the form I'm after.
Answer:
11,55,02
